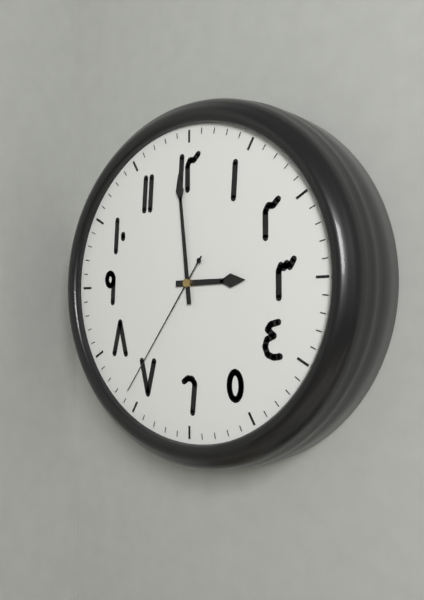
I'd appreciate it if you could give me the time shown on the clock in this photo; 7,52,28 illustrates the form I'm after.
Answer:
2,59,36
